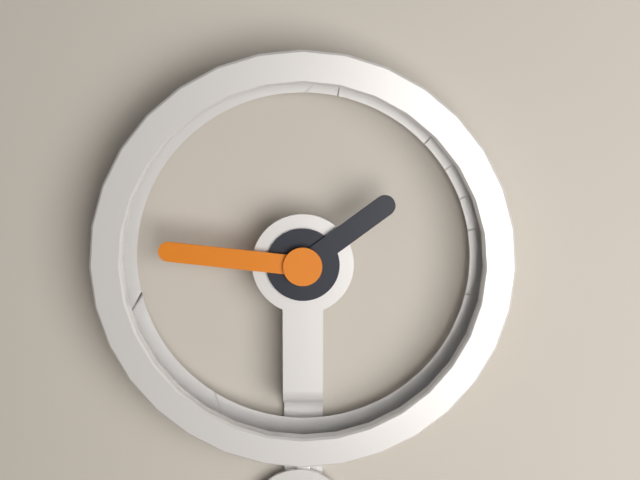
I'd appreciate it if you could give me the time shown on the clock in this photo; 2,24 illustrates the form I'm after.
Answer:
1,46
